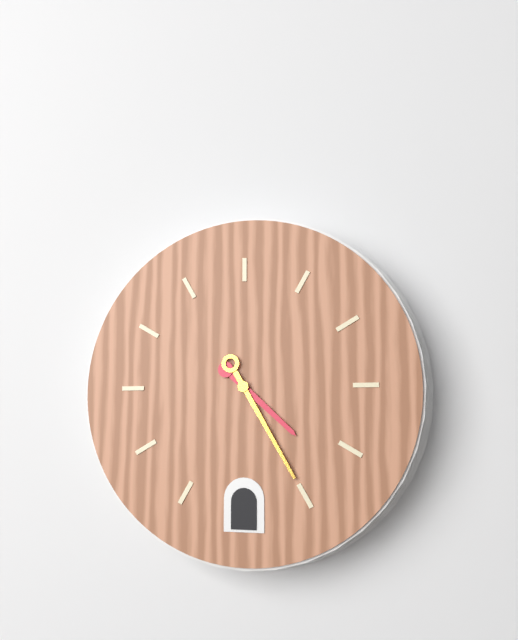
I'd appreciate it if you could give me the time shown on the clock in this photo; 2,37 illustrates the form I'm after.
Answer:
4,25
